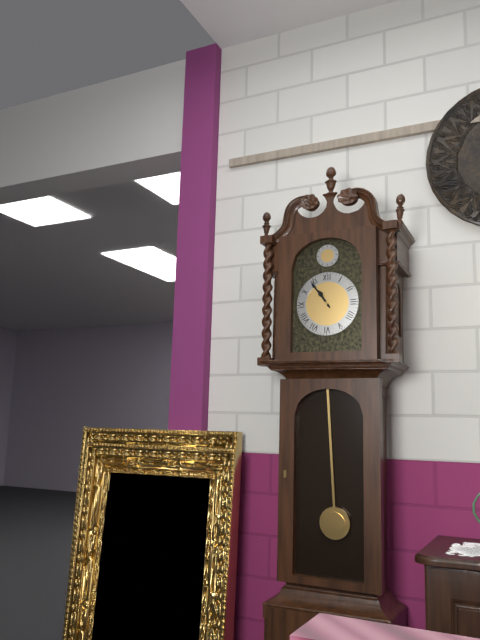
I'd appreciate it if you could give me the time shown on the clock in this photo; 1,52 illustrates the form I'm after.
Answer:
10,54
